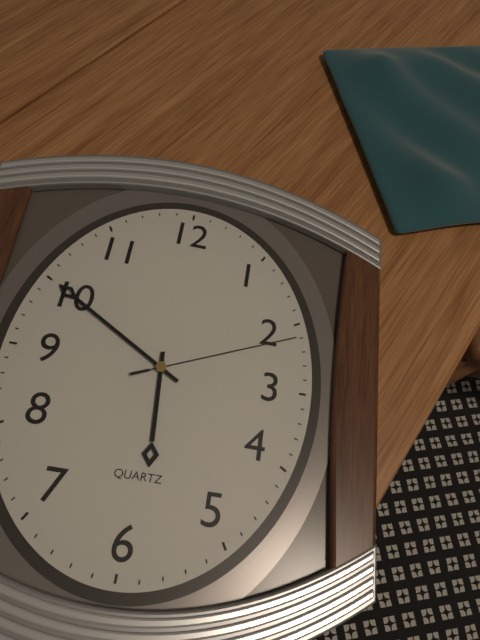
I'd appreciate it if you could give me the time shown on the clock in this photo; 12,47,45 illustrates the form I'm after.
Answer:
5,50,11
